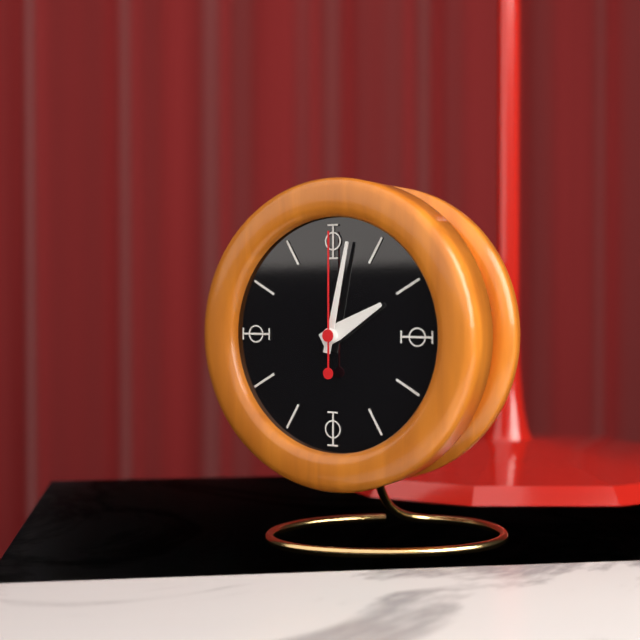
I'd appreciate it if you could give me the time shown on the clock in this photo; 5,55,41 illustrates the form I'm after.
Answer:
2,02,00
